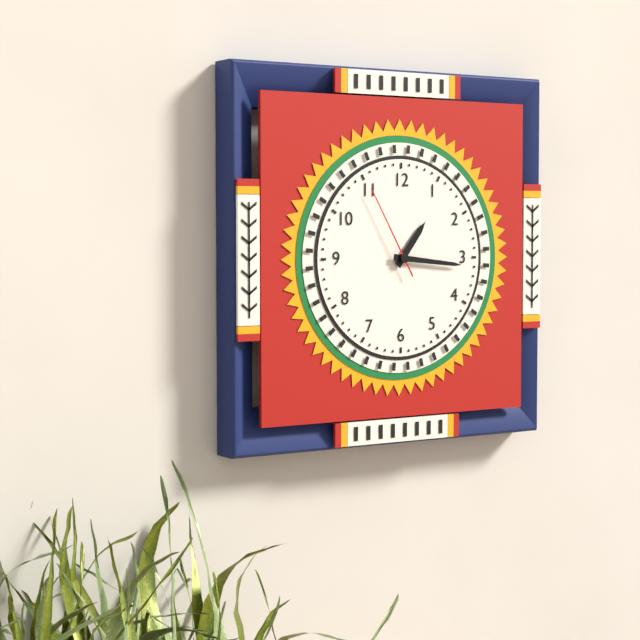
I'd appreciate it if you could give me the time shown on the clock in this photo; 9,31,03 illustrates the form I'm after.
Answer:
1,16,55
